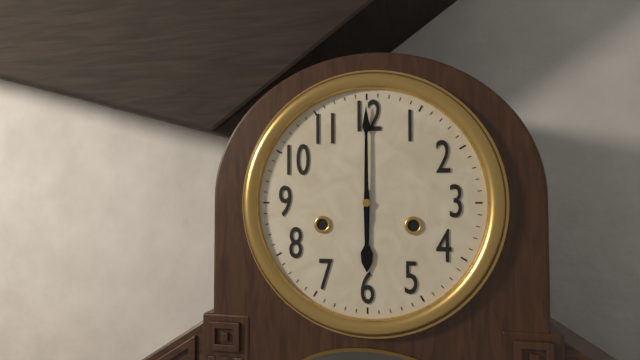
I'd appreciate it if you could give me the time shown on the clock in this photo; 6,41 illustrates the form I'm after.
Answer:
6,00
